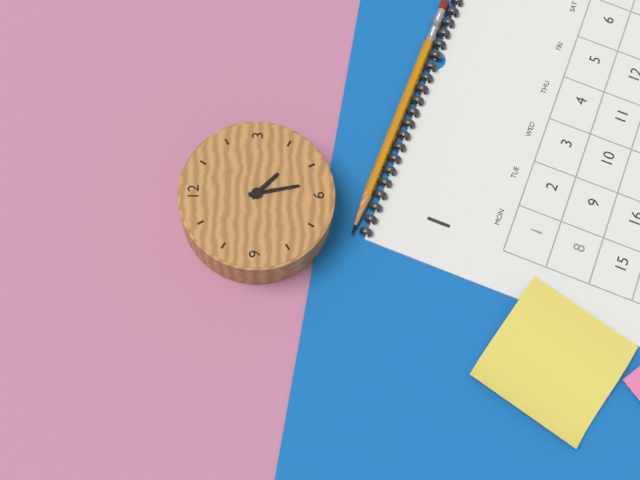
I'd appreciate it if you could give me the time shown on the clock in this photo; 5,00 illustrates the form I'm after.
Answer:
4,28
